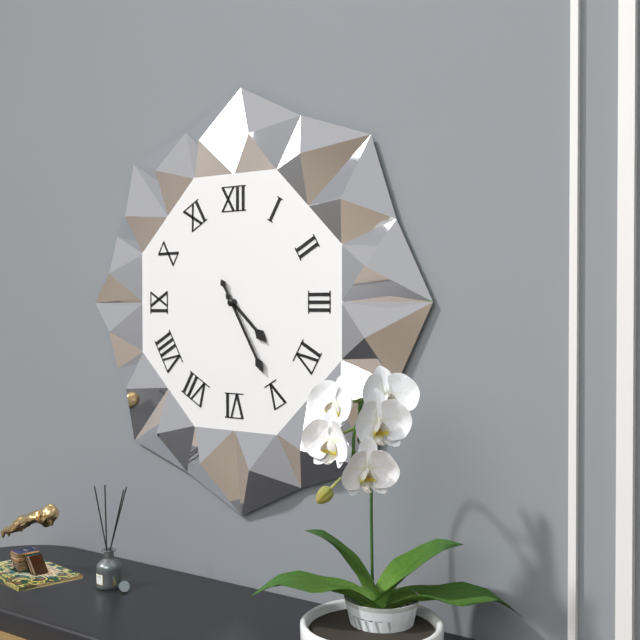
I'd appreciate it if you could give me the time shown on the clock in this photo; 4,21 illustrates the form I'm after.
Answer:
4,25
